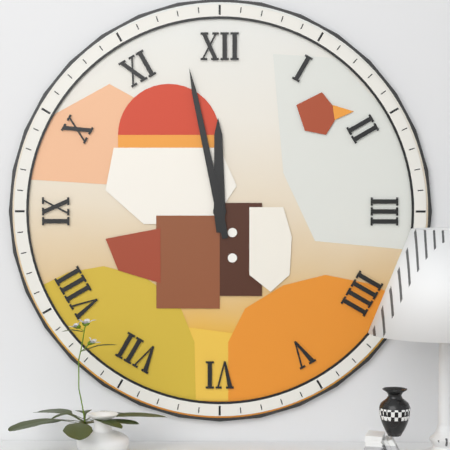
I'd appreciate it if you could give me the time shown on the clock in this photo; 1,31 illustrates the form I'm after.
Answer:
11,58
